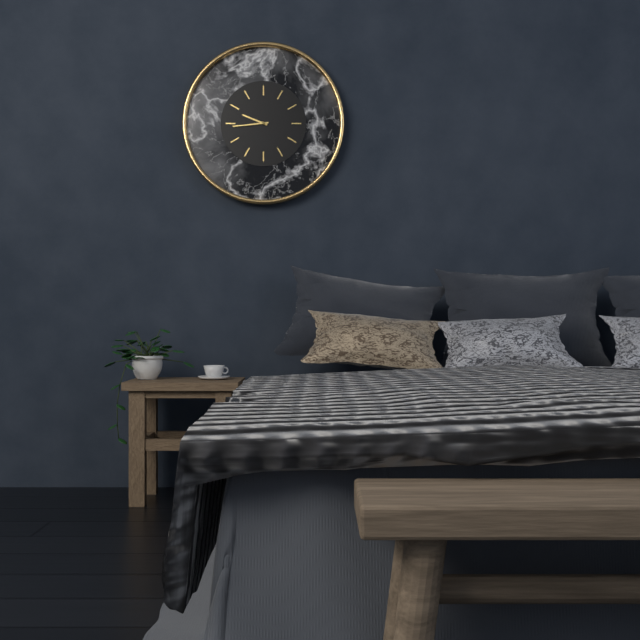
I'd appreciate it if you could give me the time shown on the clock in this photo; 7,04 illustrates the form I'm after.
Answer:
9,44
